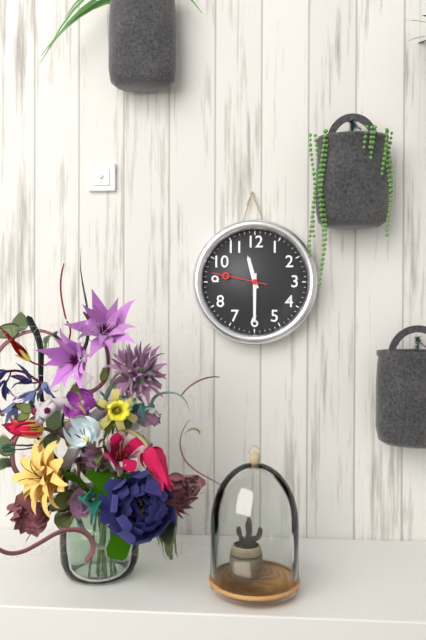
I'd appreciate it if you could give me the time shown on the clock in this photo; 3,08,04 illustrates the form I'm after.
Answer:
11,30,47
